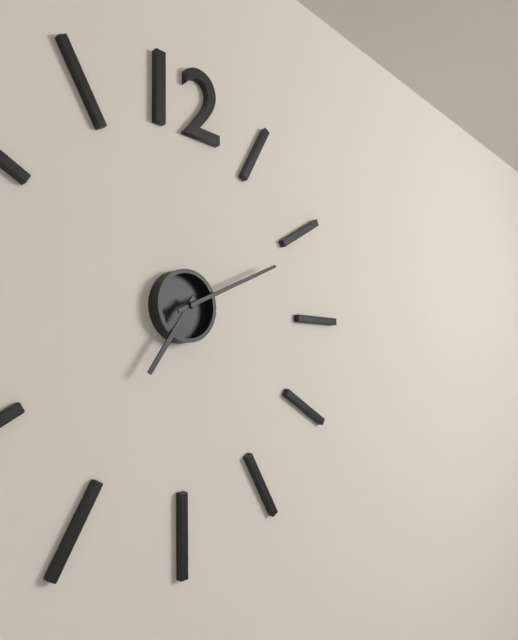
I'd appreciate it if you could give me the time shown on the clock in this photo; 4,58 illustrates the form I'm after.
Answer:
7,11
